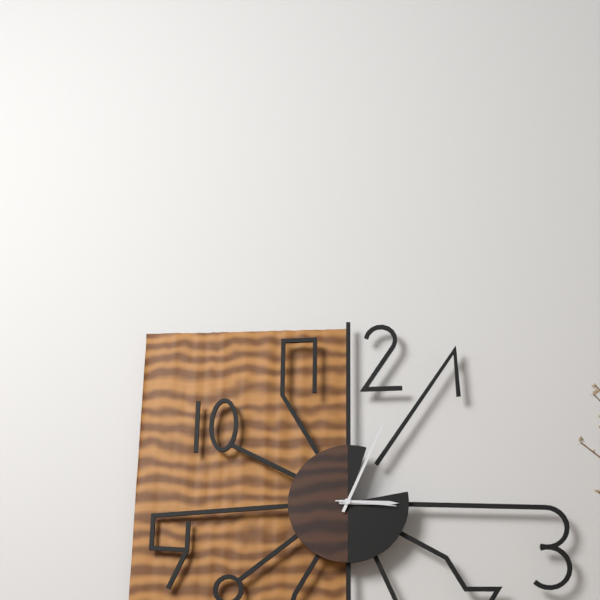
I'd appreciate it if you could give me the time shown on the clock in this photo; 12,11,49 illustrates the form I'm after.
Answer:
3,04,16
